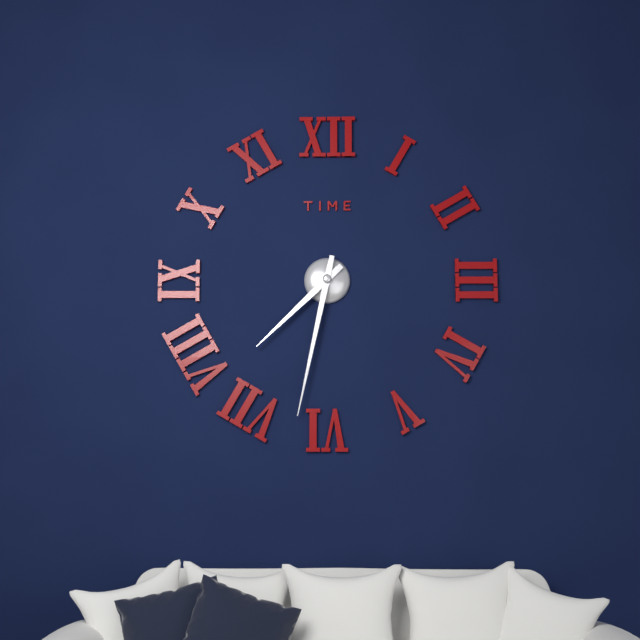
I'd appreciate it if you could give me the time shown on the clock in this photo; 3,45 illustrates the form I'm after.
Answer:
7,32
